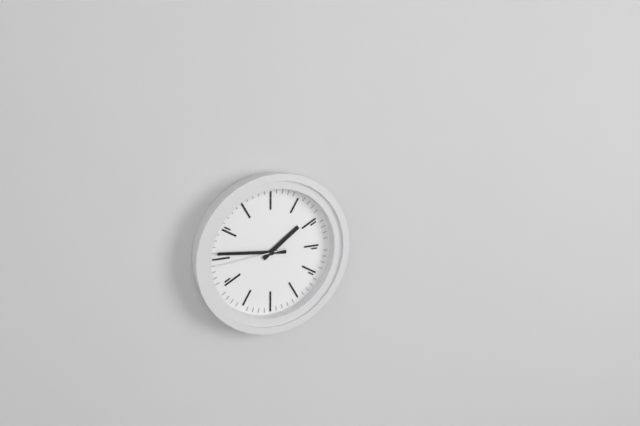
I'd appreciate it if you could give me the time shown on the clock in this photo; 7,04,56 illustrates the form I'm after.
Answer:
1,46,44
